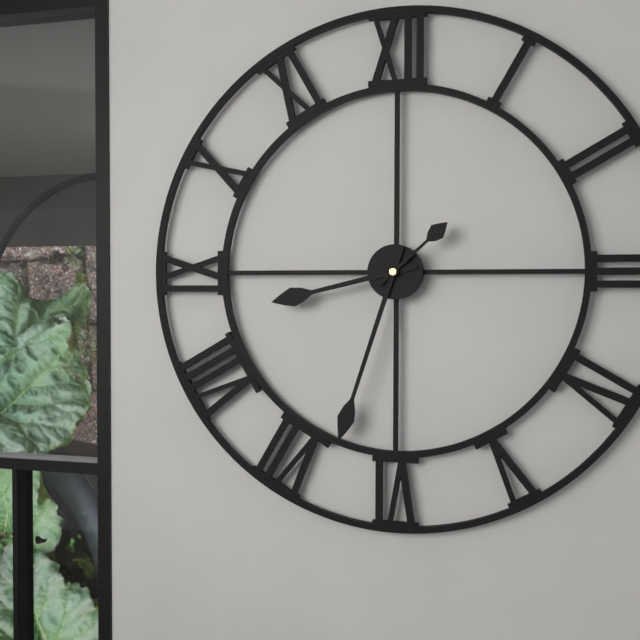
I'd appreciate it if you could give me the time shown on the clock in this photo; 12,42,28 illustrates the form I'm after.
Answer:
8,33,08
